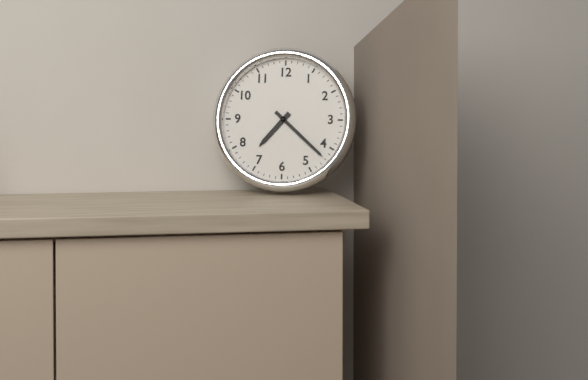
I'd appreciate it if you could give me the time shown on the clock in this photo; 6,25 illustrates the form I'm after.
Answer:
7,22
